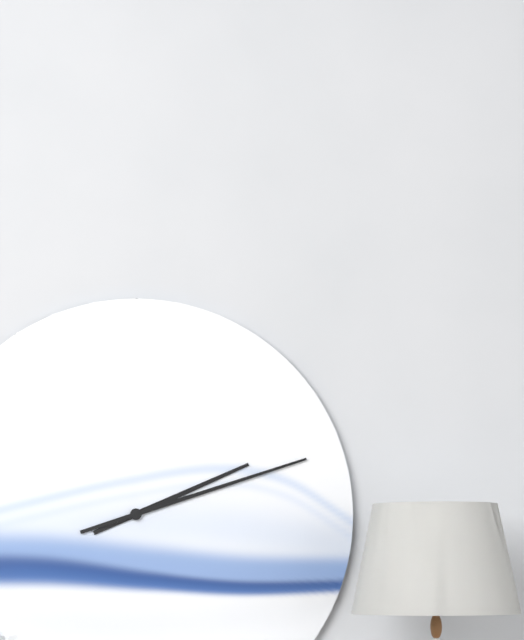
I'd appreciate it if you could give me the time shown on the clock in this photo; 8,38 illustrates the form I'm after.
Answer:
2,12
